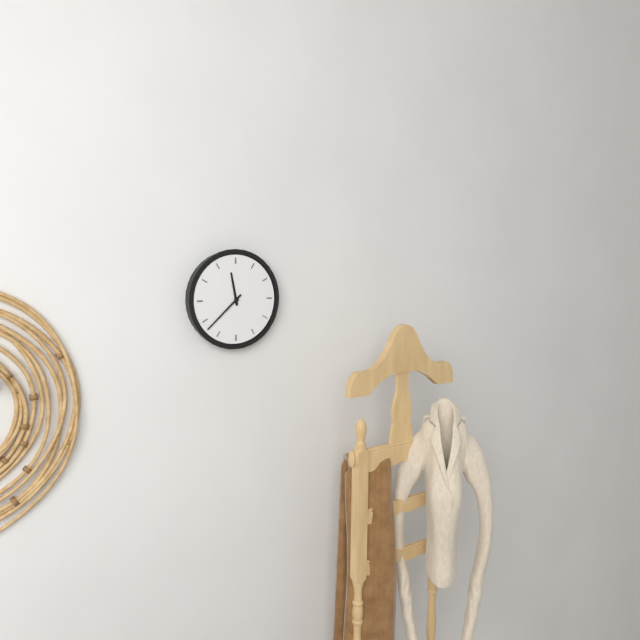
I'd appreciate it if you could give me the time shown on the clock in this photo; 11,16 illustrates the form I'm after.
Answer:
11,38
